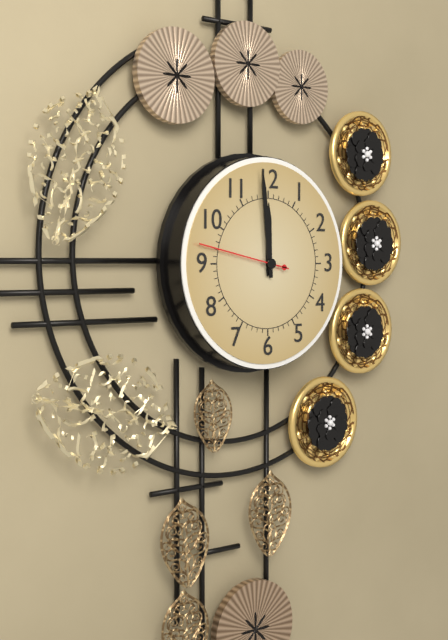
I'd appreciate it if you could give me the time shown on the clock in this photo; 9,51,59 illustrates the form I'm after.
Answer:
11,59,47
